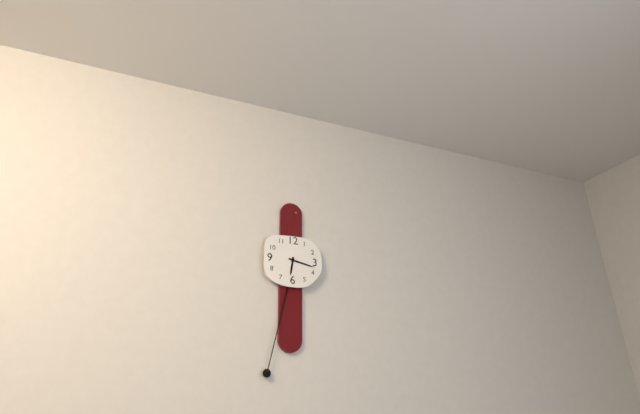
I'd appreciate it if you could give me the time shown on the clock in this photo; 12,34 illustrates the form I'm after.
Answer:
6,17
